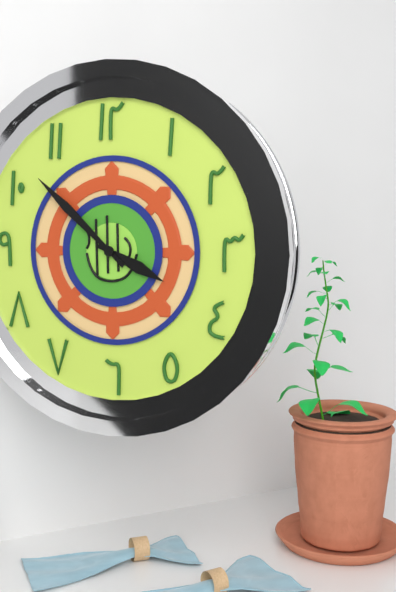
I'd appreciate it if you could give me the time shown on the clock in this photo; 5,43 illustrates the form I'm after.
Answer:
3,52
